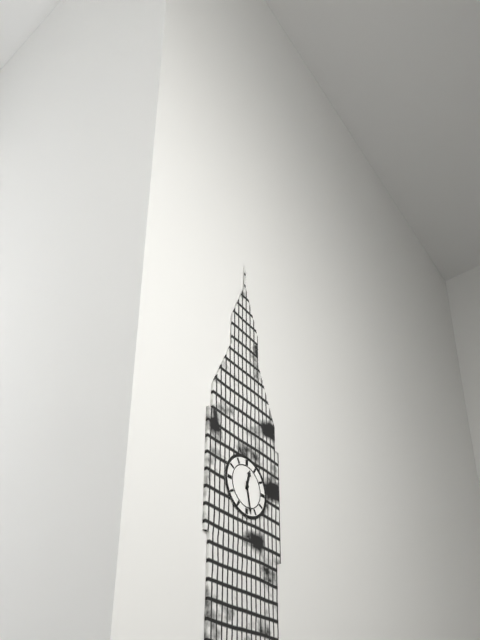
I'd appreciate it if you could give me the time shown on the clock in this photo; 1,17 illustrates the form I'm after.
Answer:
12,28
